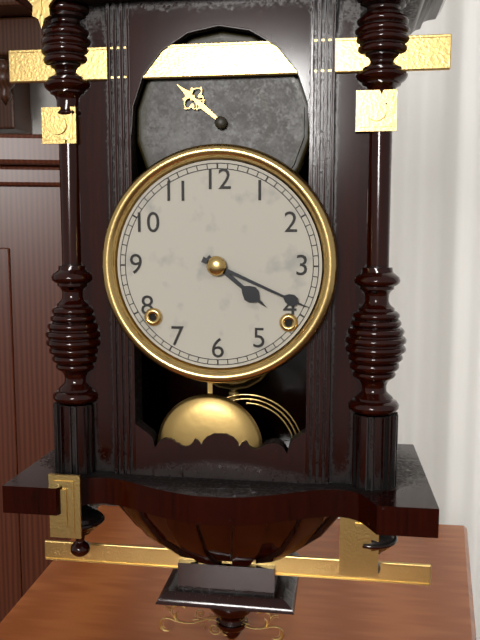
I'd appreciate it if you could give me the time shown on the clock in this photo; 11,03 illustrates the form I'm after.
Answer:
4,19
